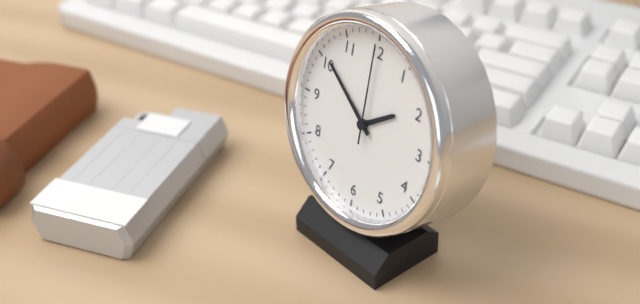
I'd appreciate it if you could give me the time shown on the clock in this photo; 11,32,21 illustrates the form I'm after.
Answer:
1,51,00
